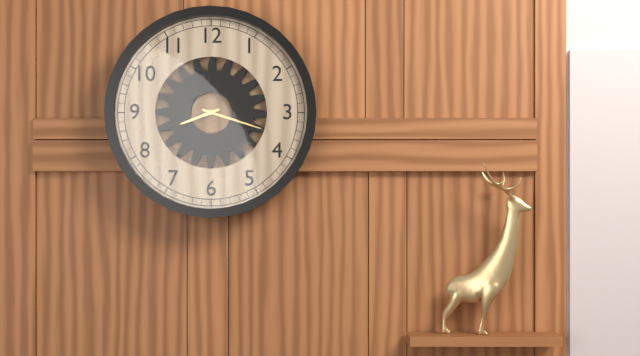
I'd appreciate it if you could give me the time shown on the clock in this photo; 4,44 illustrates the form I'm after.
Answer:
8,18
